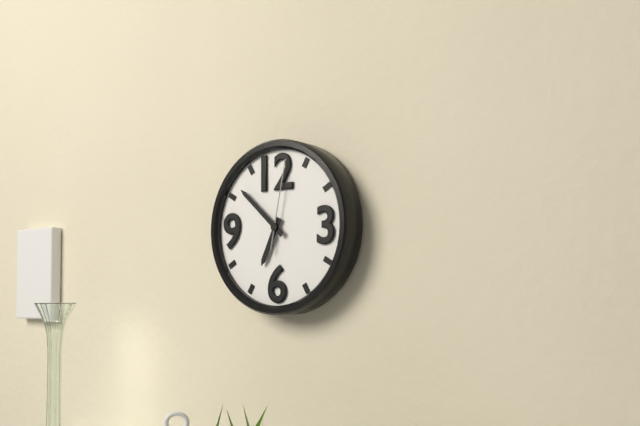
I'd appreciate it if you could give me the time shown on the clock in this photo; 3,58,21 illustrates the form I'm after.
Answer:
6,52,02
